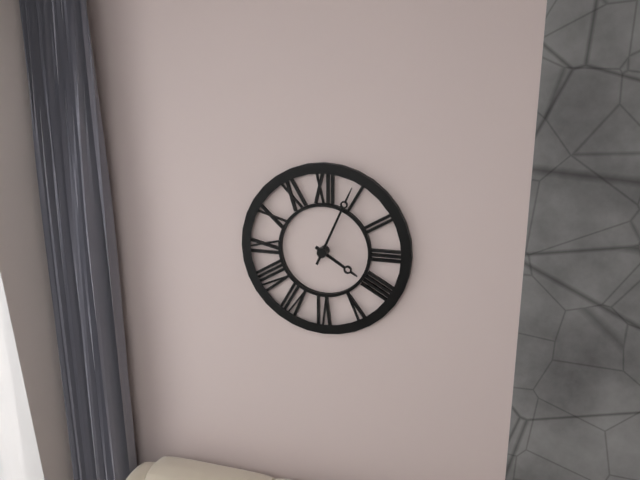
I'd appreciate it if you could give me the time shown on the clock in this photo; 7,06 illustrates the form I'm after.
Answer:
4,04
